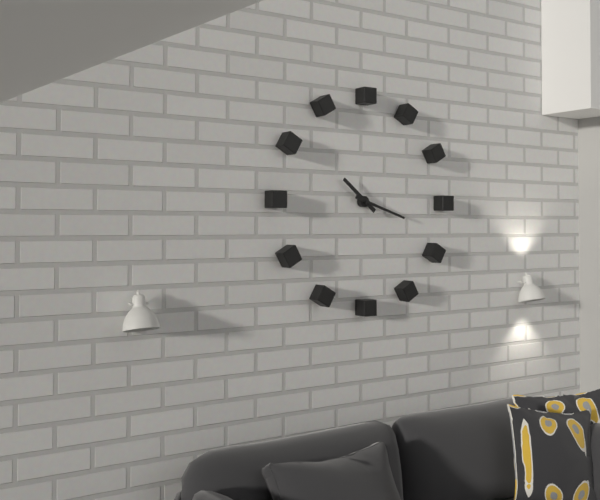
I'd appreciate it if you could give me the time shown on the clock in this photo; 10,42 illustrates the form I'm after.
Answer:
10,18
